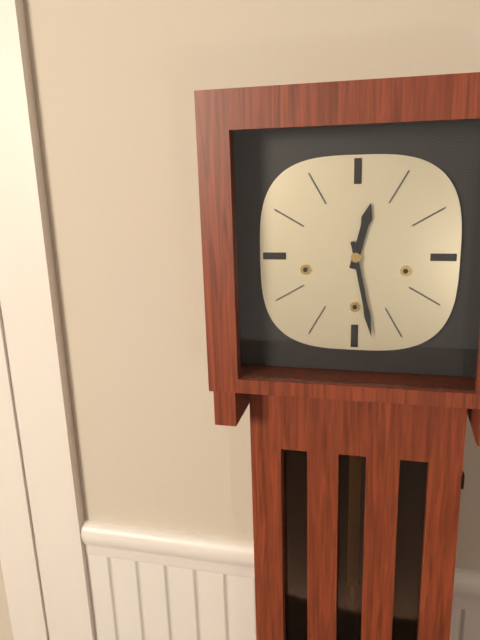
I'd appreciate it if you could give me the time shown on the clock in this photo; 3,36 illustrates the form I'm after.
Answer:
12,28
